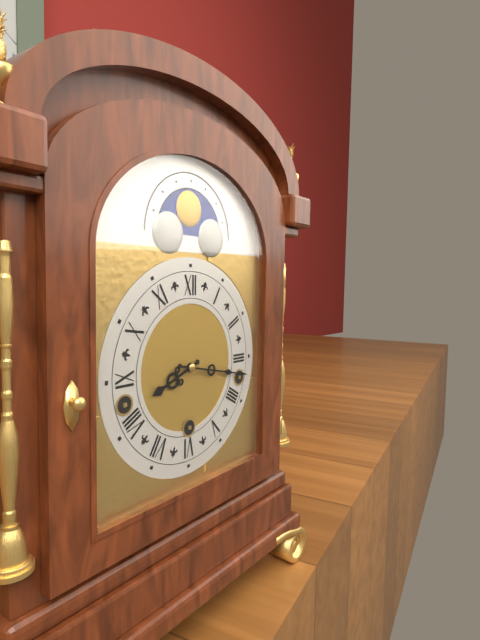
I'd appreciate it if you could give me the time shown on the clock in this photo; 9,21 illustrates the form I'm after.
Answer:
8,17
